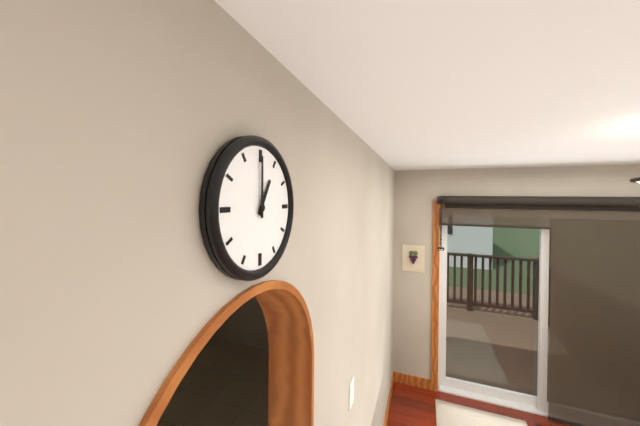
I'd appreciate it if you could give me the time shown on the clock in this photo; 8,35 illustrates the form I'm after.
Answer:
1,00
